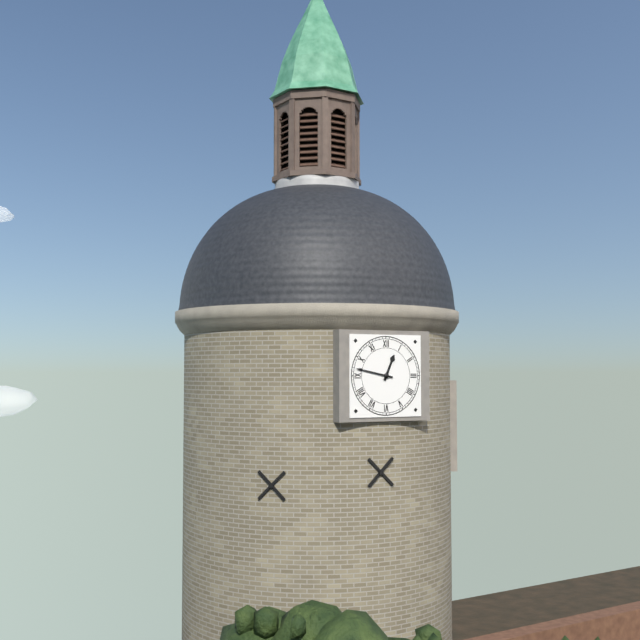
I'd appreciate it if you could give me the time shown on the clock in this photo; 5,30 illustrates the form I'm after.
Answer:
12,47
